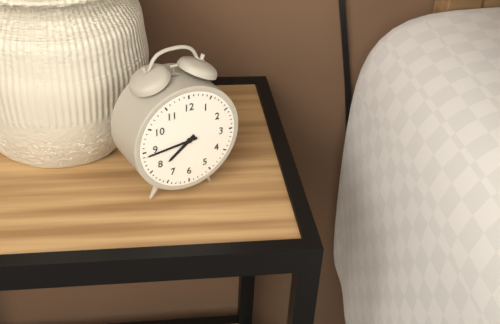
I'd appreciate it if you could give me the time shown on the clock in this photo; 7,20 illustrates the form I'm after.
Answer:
7,44
